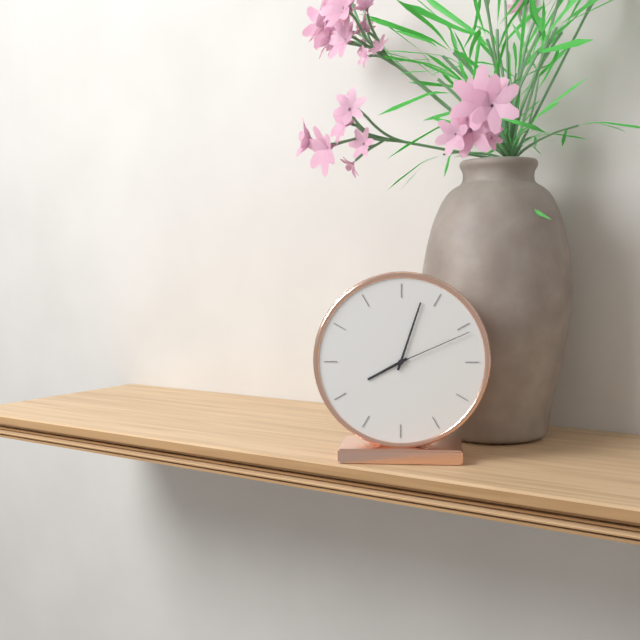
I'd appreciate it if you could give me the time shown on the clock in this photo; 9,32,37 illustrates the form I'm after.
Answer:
8,03,11
